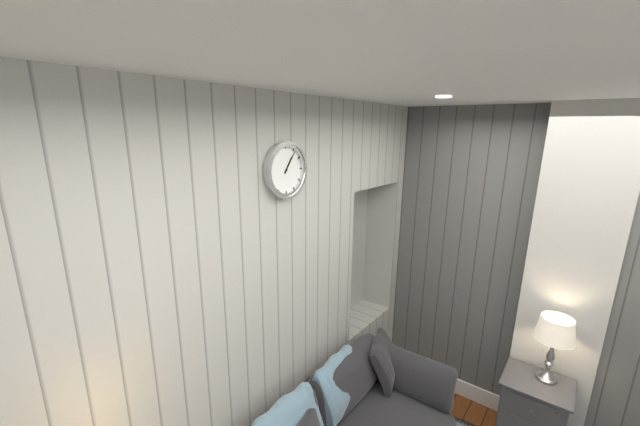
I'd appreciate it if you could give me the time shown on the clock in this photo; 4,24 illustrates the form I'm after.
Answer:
1,06
